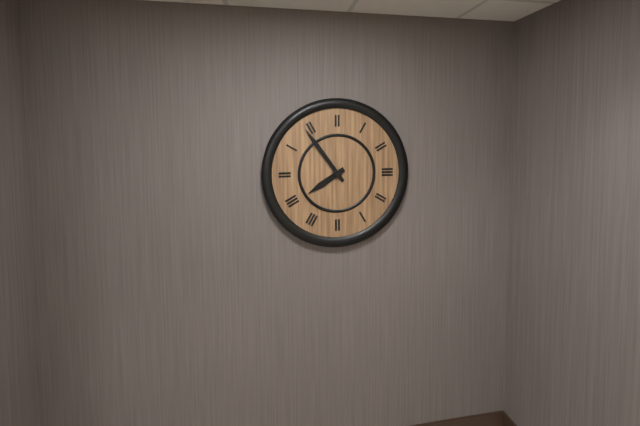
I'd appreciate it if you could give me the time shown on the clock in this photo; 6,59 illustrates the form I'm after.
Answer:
7,54
